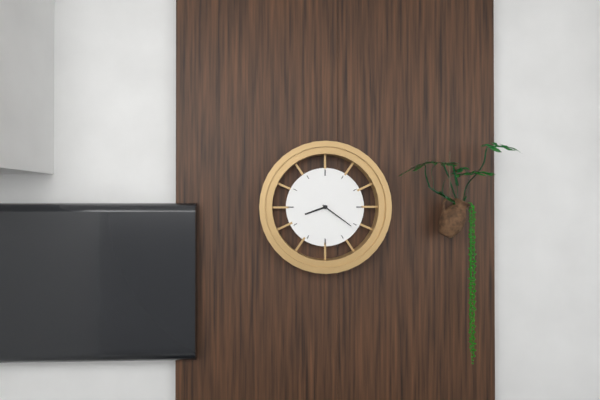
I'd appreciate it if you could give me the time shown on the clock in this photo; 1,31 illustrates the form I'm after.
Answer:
8,21
